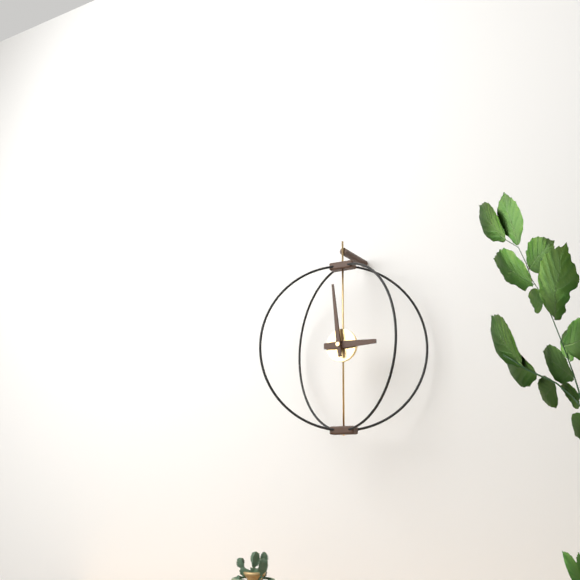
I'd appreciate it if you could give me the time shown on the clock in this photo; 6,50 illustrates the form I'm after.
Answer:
2,59
